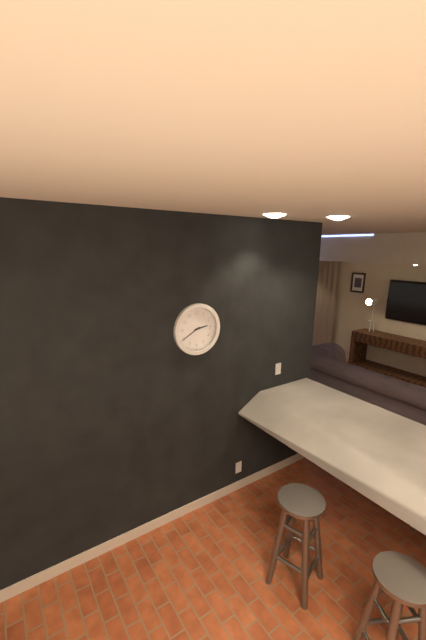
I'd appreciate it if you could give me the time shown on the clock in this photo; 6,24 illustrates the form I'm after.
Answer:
2,40
